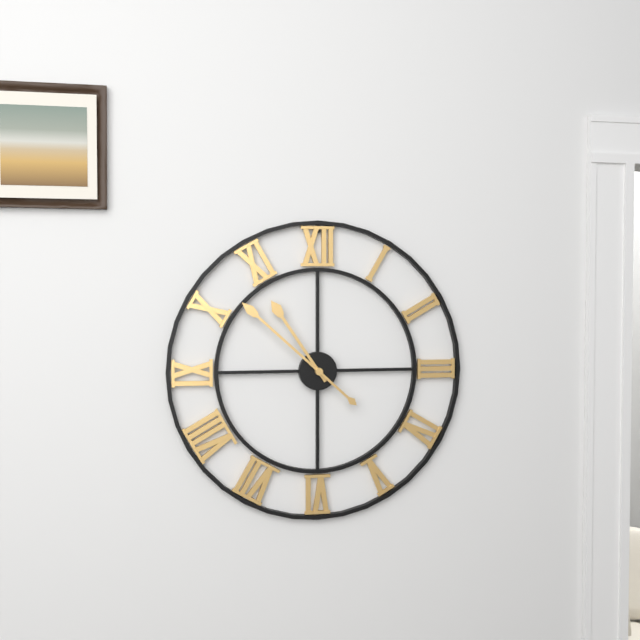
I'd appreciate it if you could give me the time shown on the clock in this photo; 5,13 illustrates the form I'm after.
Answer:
10,52
